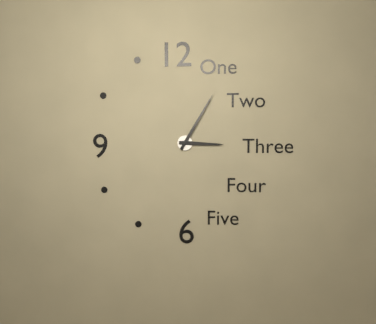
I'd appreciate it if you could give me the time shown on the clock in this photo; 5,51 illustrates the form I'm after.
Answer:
3,05
